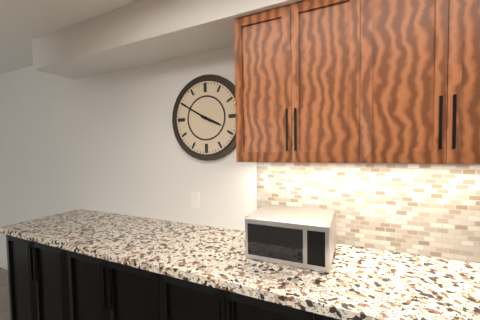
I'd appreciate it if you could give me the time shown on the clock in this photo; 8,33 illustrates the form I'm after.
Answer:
3,50
